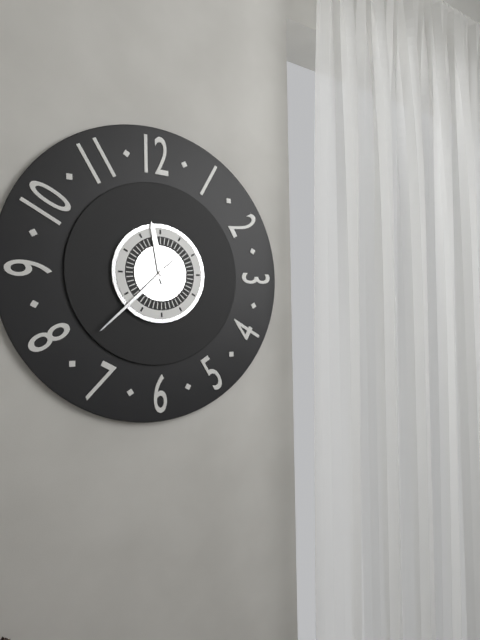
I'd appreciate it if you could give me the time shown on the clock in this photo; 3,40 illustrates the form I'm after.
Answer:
11,38
